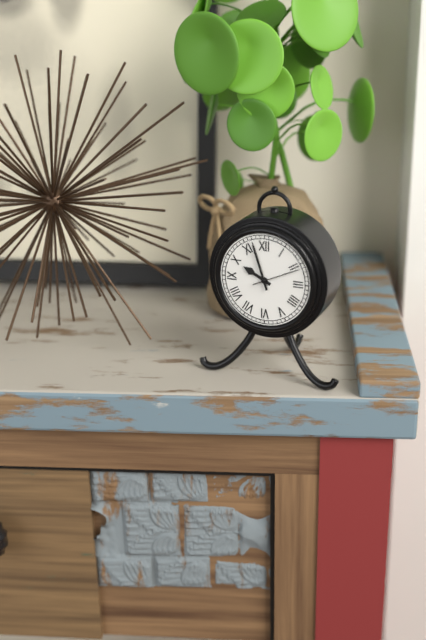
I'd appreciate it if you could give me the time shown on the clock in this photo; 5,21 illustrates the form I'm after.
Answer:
9,57
